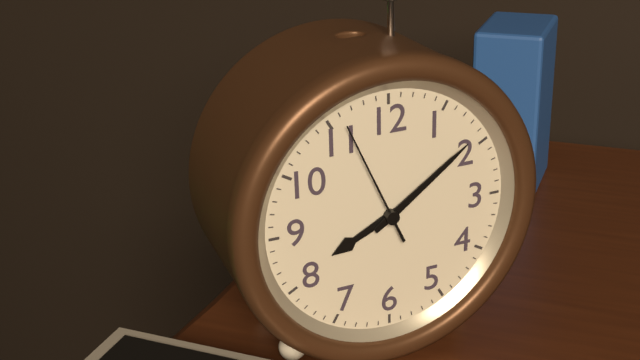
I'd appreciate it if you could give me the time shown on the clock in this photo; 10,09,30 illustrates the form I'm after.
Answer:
8,09,56
